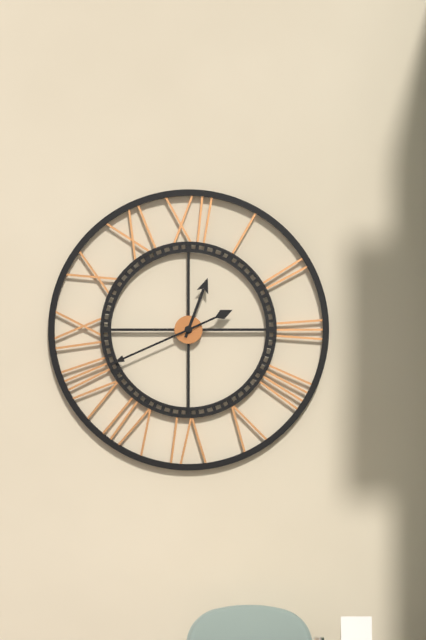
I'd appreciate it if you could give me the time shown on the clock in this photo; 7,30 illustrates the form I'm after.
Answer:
12,41
